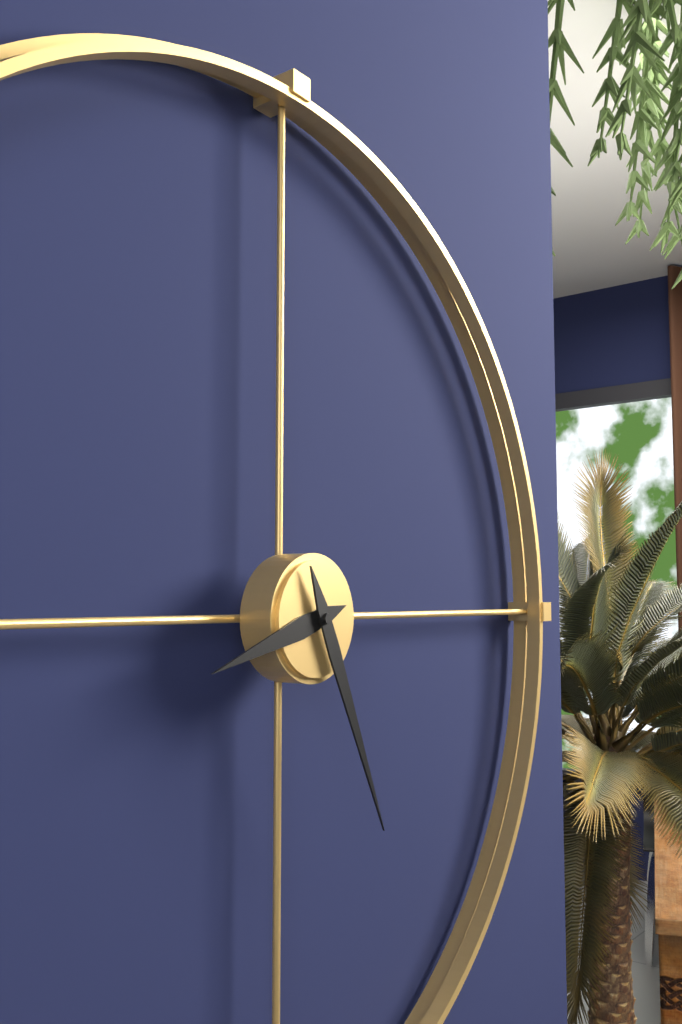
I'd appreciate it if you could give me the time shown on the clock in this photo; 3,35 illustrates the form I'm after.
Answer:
8,26
